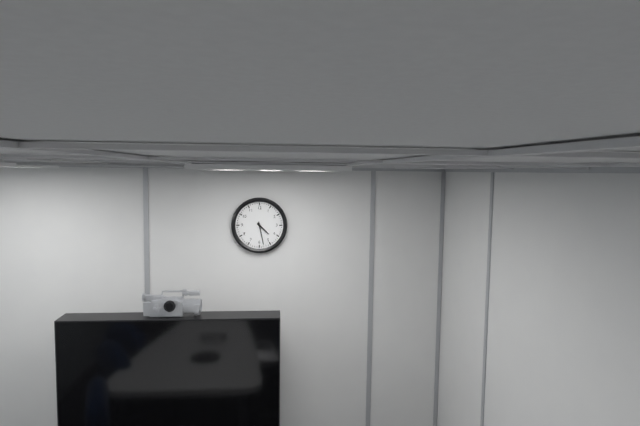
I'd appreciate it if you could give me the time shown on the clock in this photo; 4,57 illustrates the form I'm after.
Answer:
4,28
